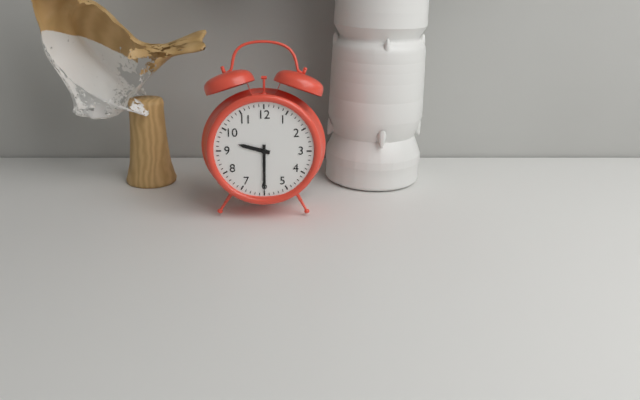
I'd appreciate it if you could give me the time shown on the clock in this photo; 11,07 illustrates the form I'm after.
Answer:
9,30
